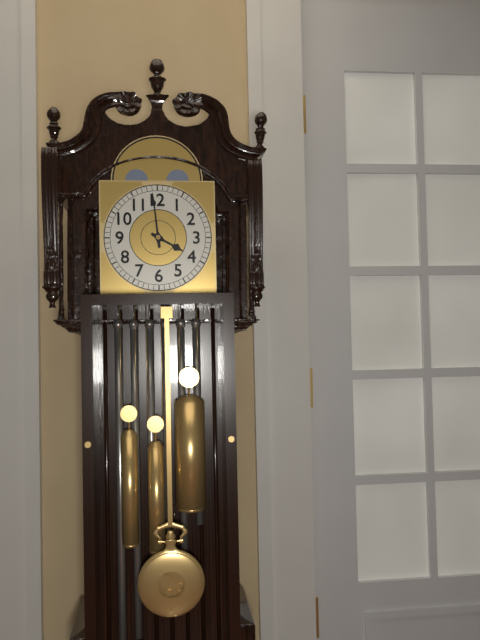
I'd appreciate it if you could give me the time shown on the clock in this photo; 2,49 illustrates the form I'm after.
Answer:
3,59
